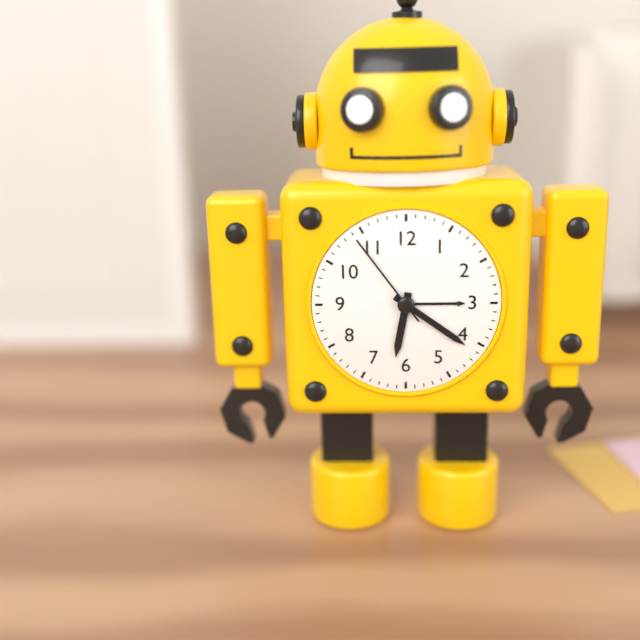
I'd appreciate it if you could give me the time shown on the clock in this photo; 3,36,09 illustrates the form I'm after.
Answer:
6,21,54
